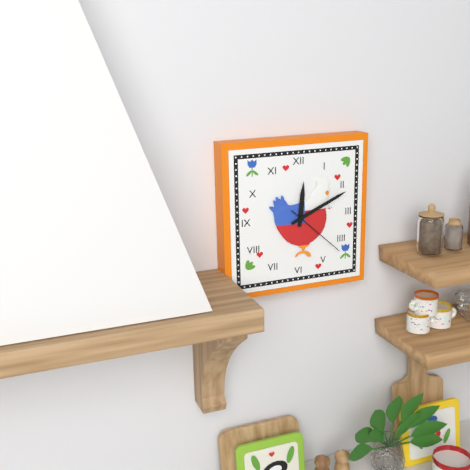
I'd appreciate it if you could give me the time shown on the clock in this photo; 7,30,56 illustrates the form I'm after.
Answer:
12,11,22
